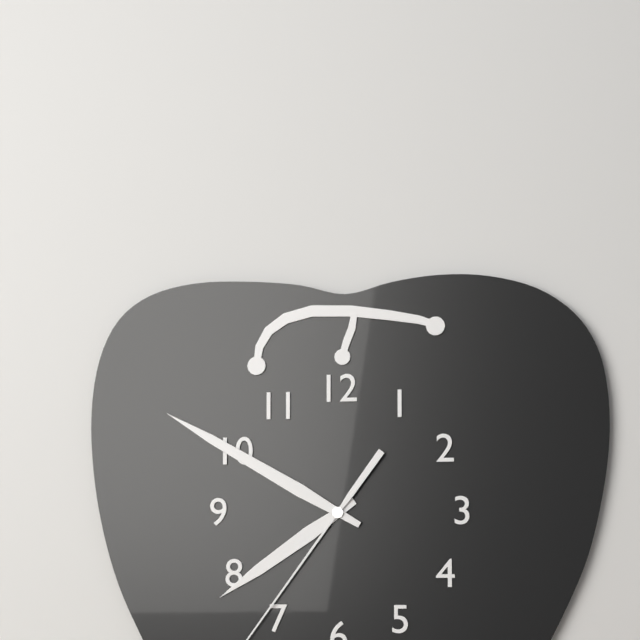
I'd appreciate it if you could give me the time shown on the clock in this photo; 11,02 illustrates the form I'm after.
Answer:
7,50
